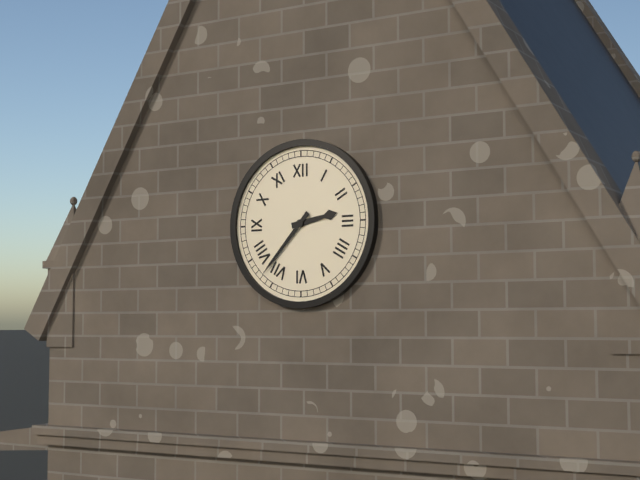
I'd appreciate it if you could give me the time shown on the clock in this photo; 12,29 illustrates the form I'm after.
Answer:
2,37
